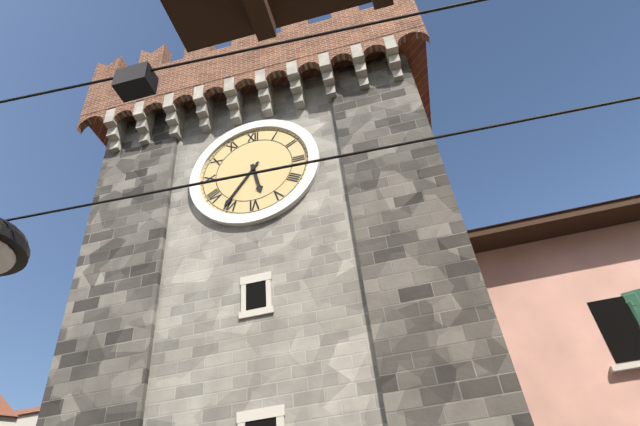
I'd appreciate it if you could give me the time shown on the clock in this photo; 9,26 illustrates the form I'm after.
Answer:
5,36
